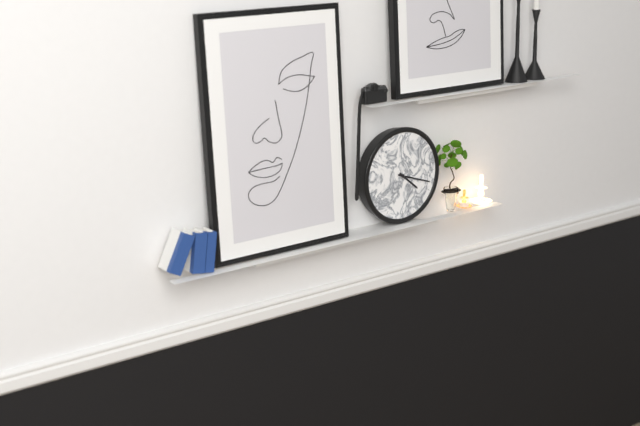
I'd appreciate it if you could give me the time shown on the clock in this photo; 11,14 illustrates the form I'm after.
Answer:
4,18
